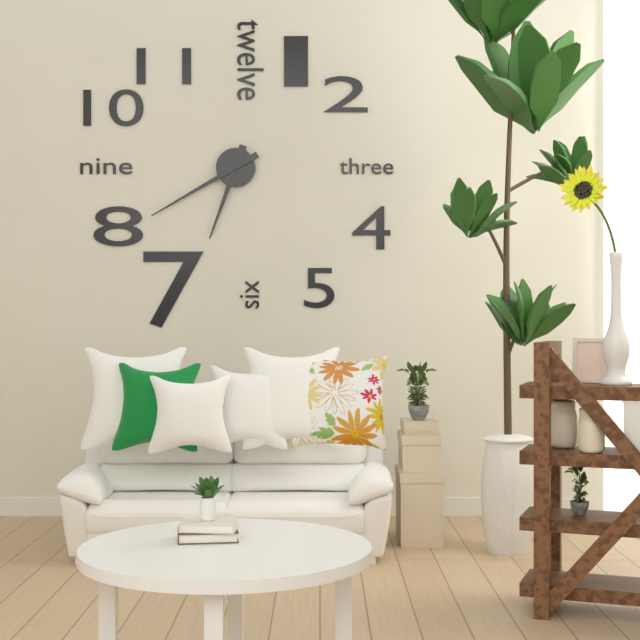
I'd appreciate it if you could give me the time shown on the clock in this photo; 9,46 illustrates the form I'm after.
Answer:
6,40
